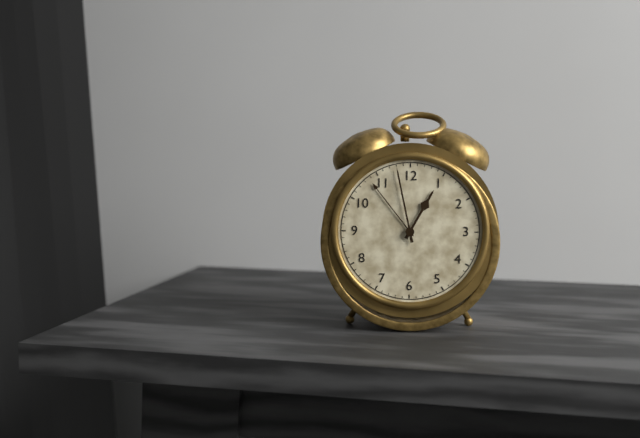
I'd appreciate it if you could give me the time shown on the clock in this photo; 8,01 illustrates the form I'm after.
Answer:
12,58
